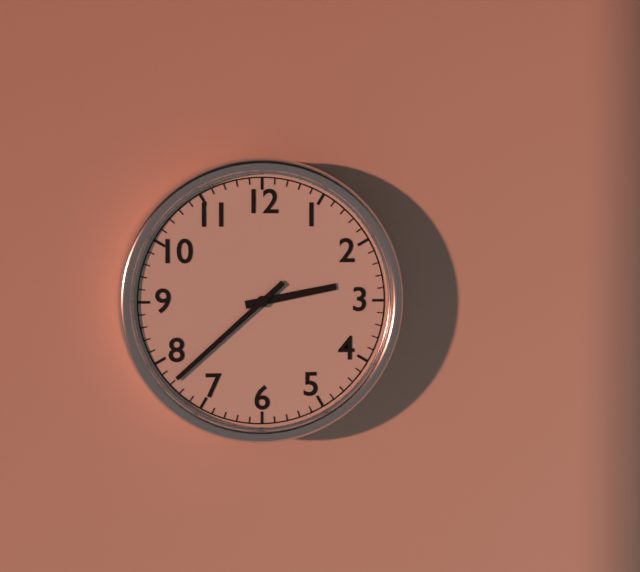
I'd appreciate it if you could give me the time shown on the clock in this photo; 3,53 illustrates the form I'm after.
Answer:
2,38
